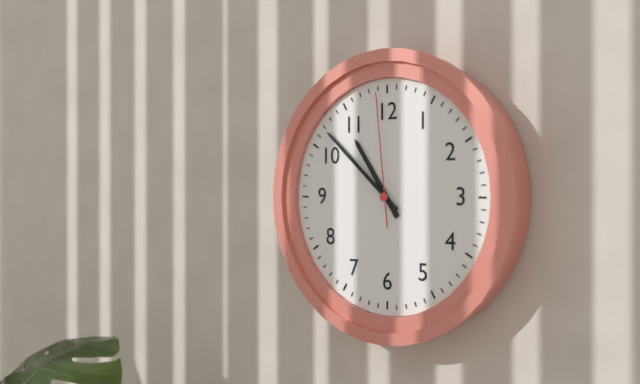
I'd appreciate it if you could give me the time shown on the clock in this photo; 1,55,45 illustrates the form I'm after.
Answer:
10,52,59
